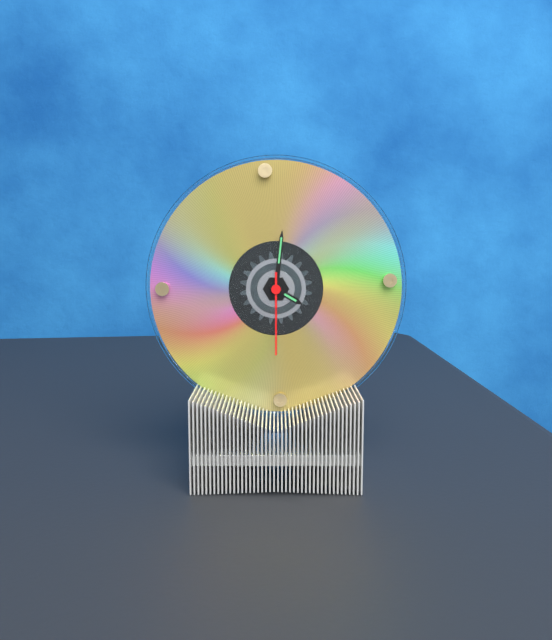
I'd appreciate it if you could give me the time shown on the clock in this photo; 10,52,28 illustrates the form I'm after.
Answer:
4,01,30
